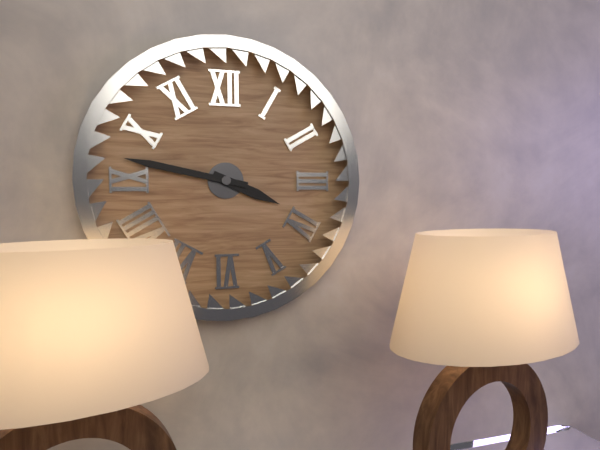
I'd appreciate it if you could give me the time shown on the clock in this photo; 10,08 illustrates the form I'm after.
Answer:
3,47
